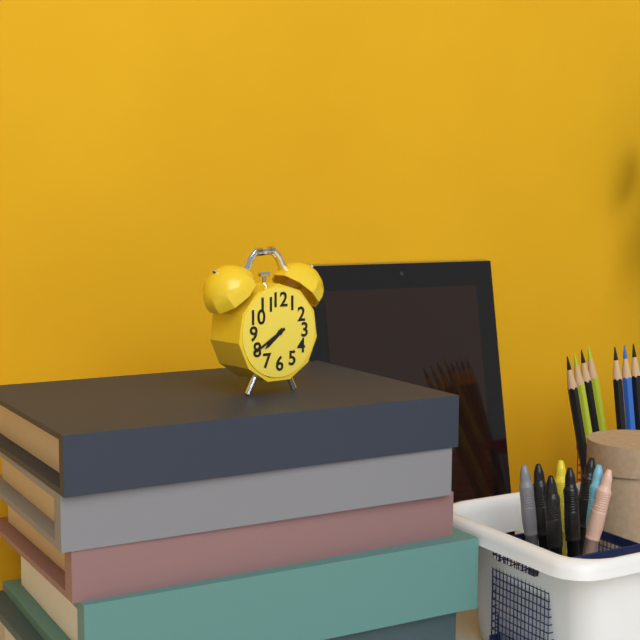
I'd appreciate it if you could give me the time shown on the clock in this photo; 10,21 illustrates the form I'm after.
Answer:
7,40
